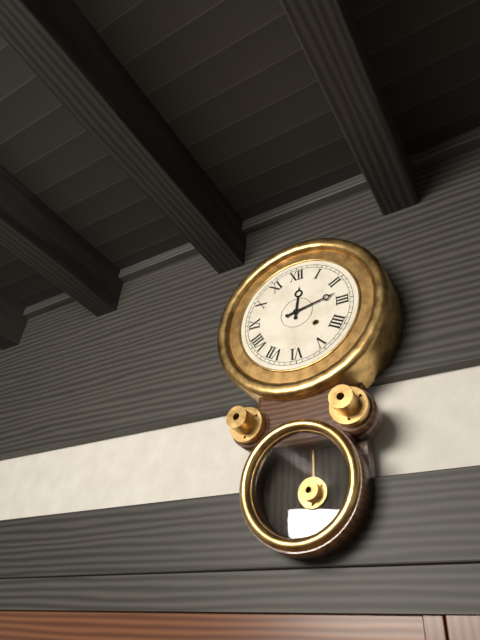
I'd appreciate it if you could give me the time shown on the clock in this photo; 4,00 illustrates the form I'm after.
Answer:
12,13
